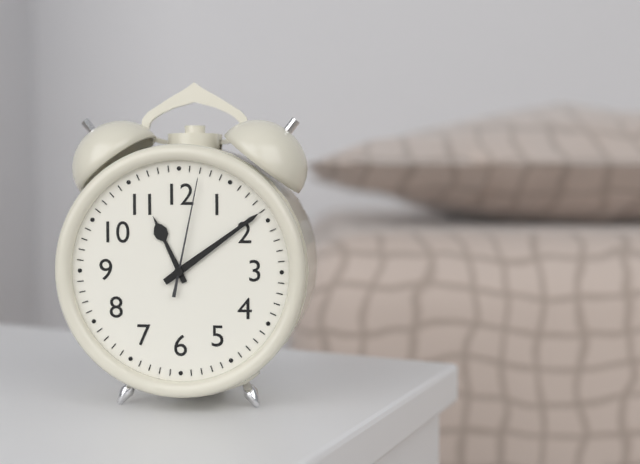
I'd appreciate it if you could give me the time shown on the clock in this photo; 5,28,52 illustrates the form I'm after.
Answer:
11,09,02
